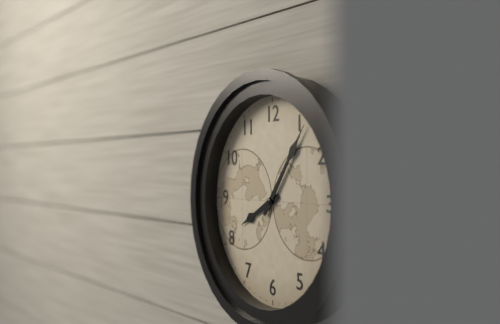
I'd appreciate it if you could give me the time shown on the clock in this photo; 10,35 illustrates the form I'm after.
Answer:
8,06
